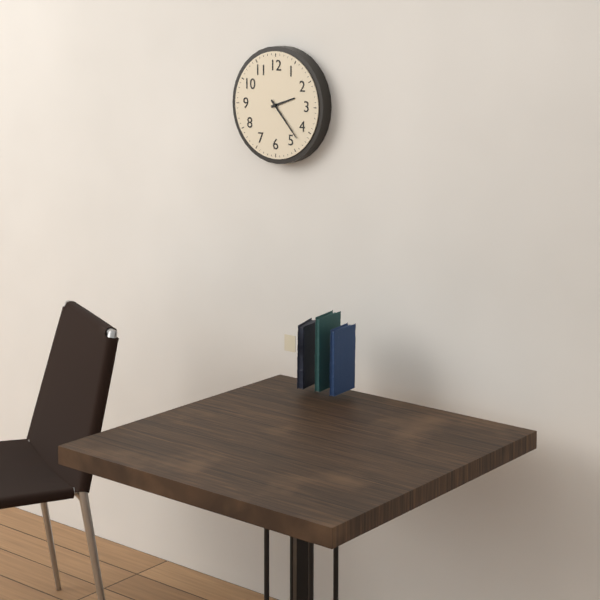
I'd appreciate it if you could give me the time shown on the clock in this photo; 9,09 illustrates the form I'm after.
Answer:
2,23
